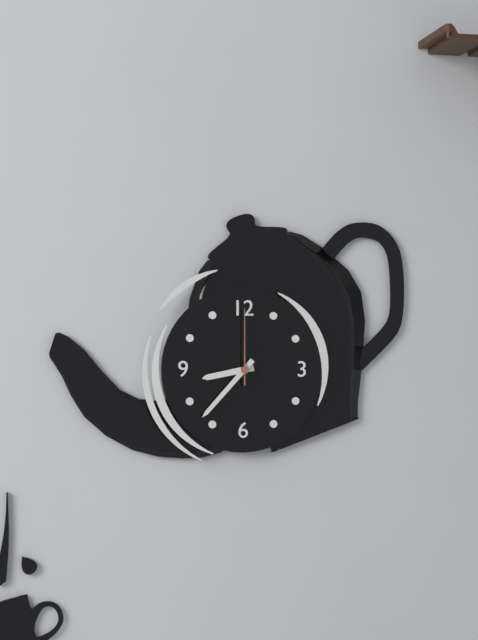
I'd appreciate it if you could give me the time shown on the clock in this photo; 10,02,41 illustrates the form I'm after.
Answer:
8,37,00
